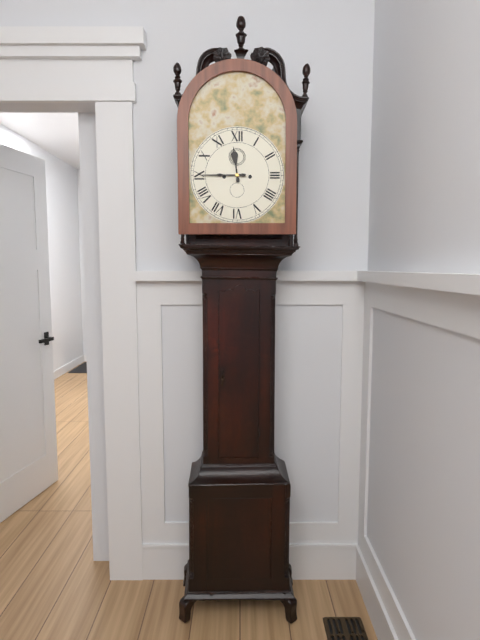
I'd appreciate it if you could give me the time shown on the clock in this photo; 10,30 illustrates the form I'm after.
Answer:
11,45
